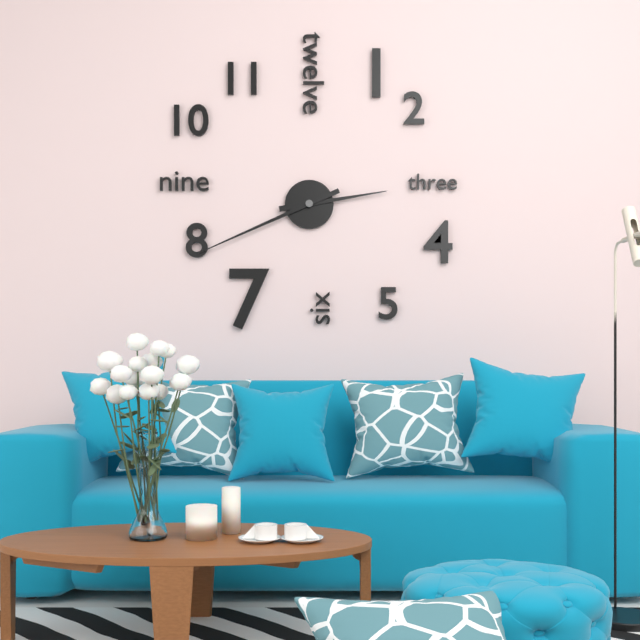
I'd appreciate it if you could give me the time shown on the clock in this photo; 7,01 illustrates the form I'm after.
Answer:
2,41
